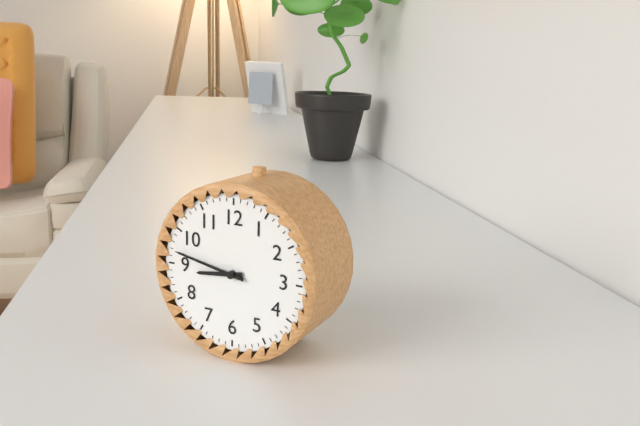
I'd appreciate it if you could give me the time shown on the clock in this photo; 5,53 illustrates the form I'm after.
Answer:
8,47
